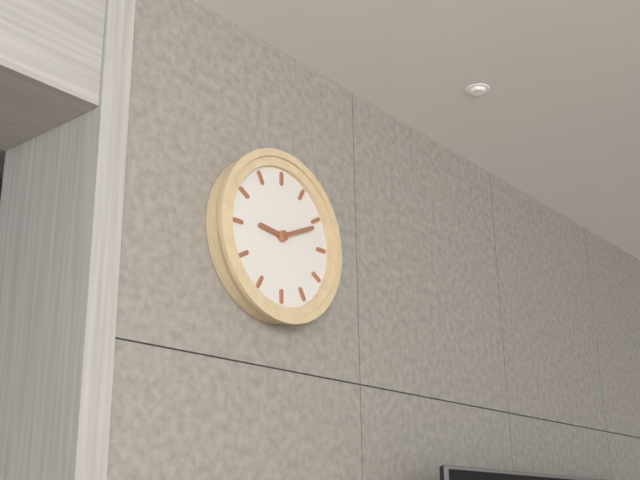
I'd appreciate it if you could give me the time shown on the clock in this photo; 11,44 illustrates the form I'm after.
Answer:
9,11
